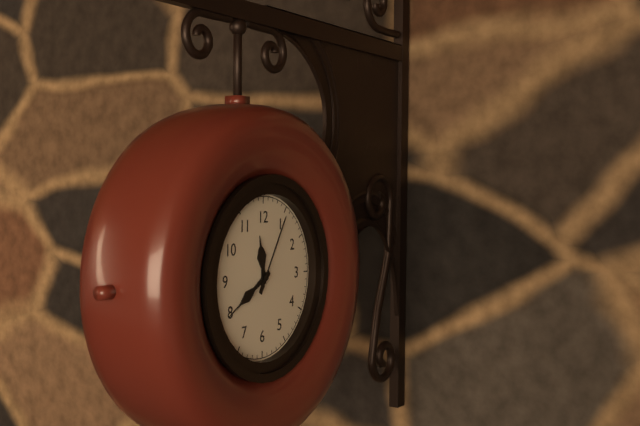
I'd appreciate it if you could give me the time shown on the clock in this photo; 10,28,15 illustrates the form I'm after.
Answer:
11,40,05
